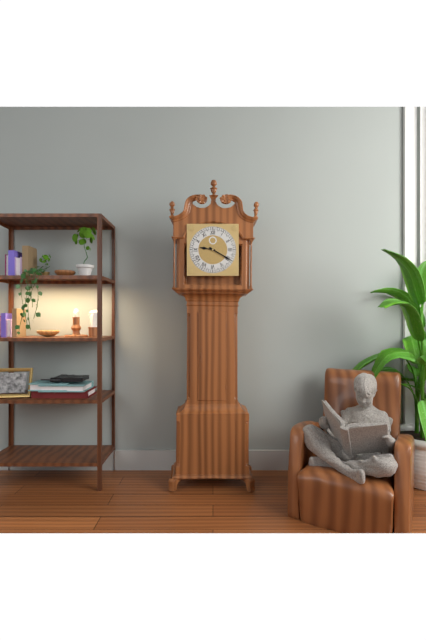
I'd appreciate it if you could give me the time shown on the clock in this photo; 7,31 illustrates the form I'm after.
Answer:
9,20
